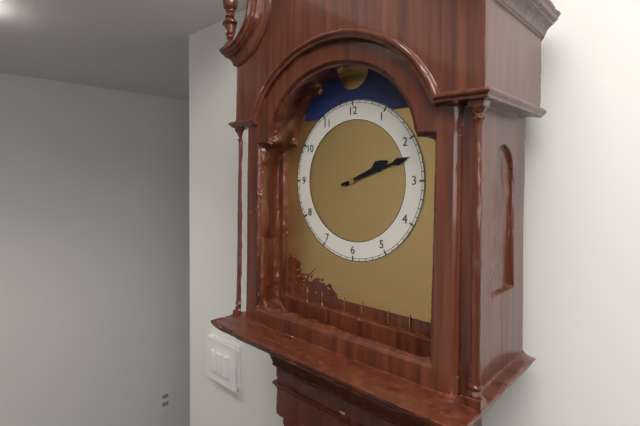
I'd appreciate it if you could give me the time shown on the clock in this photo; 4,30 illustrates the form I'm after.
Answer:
2,12
